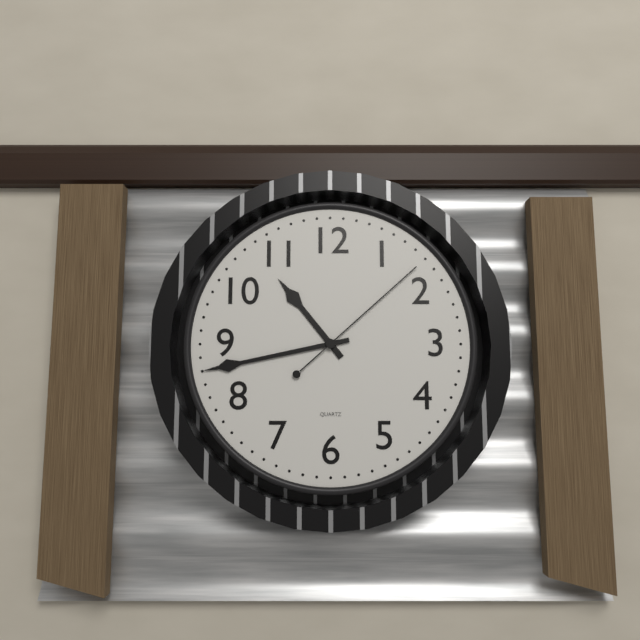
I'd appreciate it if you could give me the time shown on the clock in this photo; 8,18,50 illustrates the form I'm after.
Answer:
10,43,08
